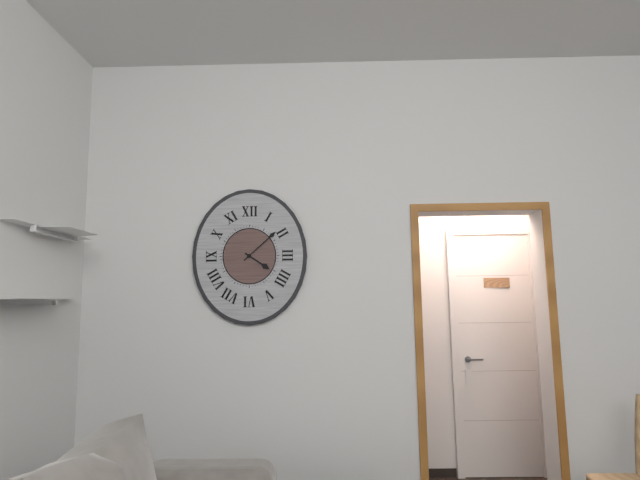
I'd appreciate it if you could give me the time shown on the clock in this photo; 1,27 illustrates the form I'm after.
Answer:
4,08
